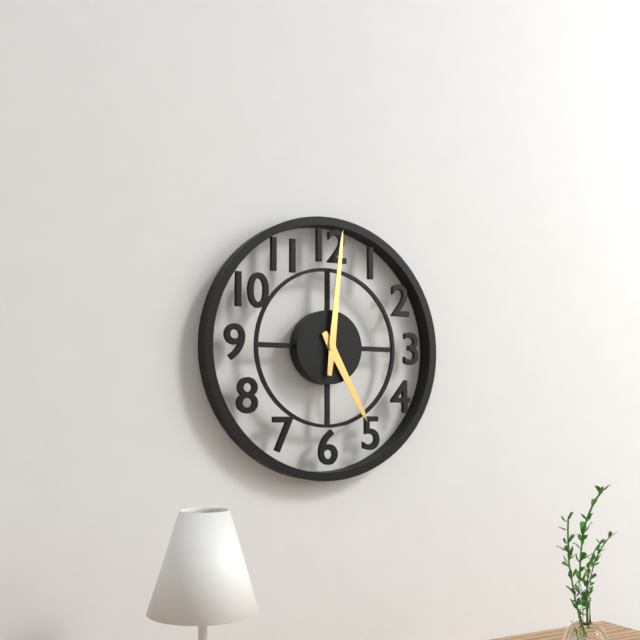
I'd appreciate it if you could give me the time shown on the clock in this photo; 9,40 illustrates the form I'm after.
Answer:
5,01
